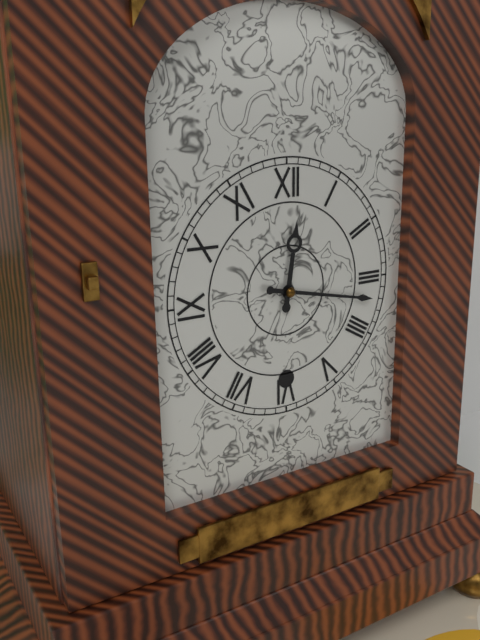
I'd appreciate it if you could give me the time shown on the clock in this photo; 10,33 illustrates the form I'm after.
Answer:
12,17
